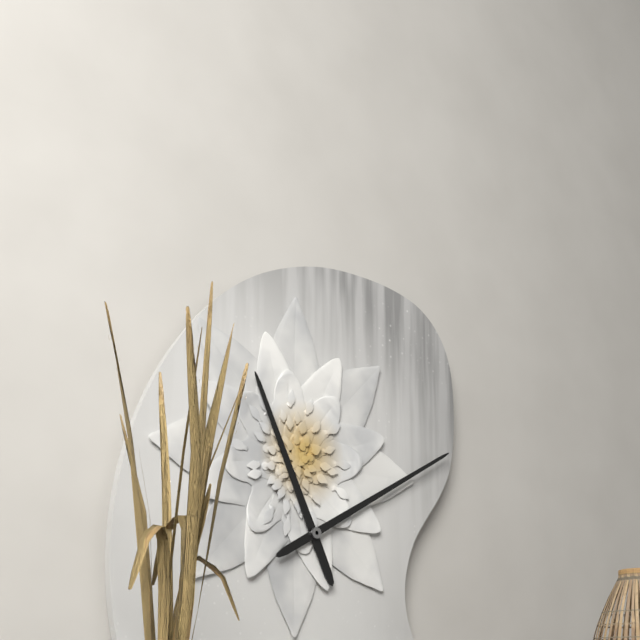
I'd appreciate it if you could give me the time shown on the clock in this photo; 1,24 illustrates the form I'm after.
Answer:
11,10
